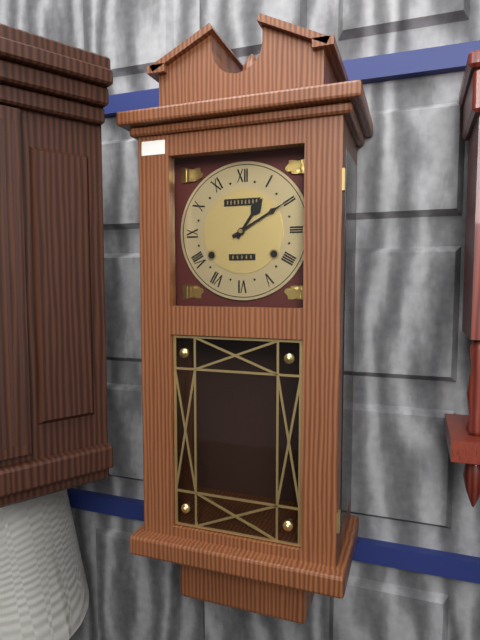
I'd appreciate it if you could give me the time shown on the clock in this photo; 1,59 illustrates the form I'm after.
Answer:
1,10
